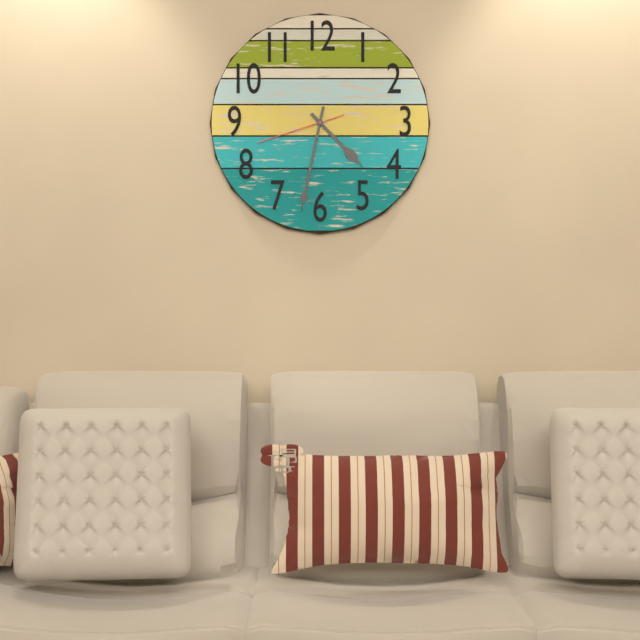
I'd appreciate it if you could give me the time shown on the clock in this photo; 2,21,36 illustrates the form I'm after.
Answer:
4,32,42
